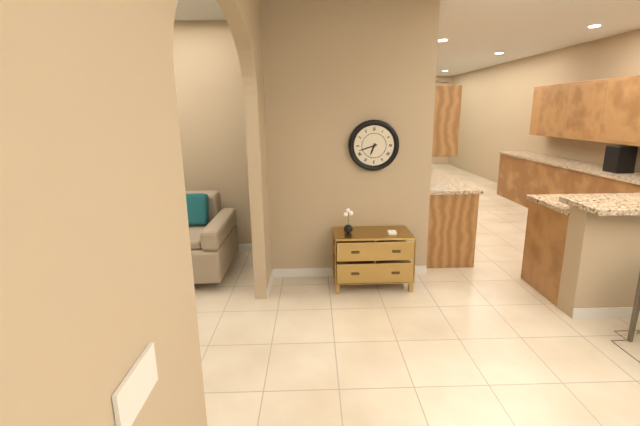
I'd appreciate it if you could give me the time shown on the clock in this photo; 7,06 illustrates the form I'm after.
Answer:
6,42
